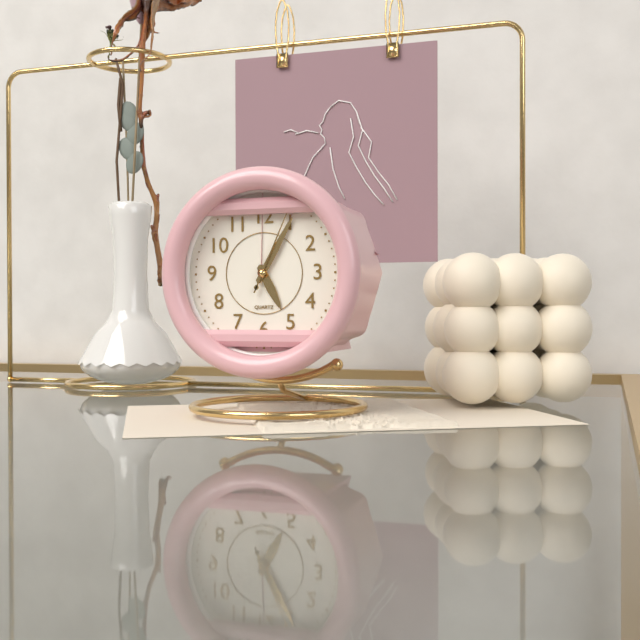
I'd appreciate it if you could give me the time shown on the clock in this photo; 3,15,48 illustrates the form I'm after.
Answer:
5,05,04
